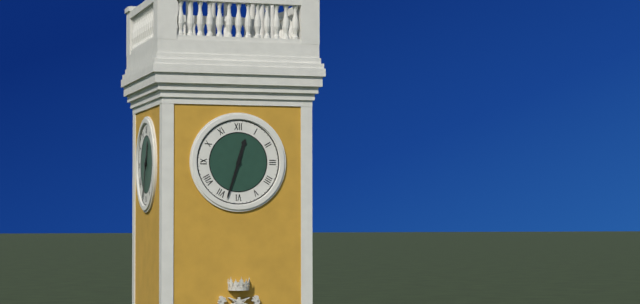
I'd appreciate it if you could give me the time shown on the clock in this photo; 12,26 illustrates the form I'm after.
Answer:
12,33
